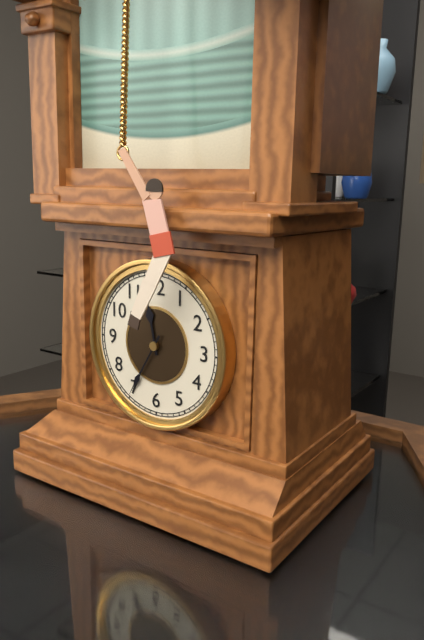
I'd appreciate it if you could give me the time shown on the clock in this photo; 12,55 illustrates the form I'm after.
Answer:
11,35
